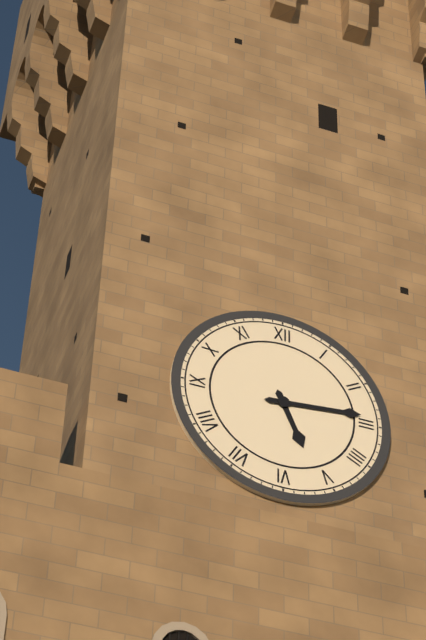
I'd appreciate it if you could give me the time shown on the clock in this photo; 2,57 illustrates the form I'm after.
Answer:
5,14
